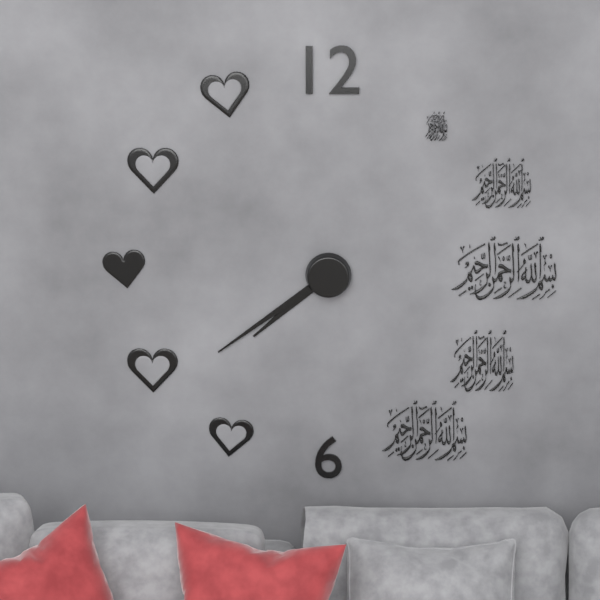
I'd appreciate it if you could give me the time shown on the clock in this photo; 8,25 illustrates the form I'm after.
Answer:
7,39
